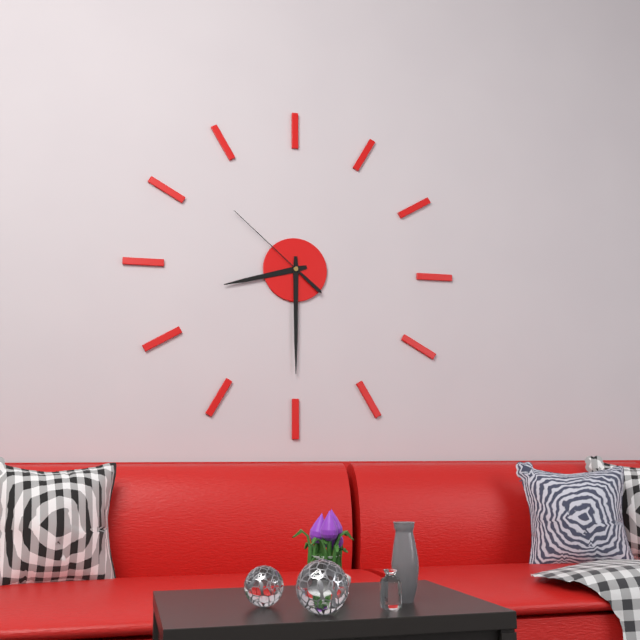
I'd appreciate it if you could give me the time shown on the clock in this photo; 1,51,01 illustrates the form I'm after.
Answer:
8,30,52
